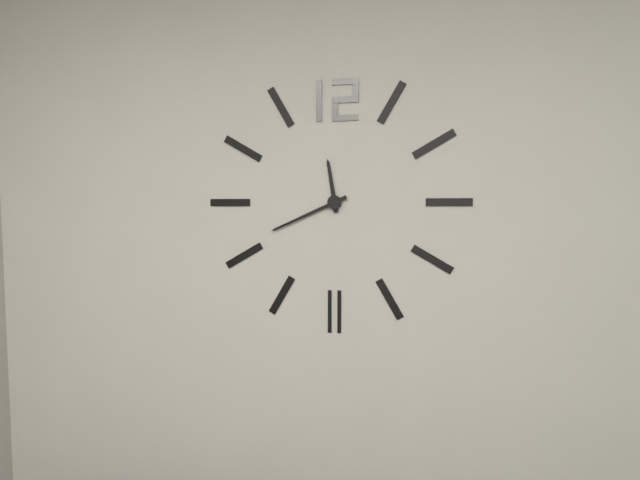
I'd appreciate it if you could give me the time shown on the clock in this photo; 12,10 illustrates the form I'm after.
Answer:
11,41
